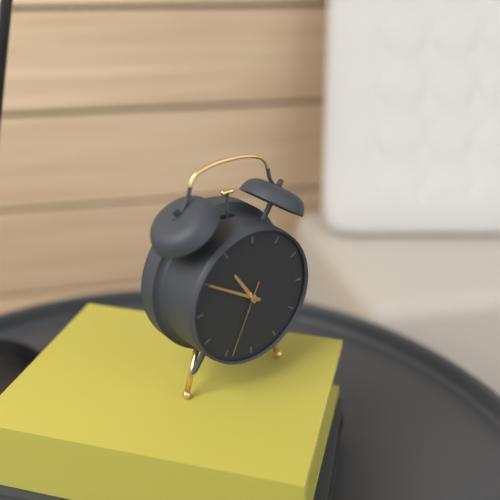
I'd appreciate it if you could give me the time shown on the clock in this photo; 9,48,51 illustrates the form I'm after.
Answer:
10,50,34
